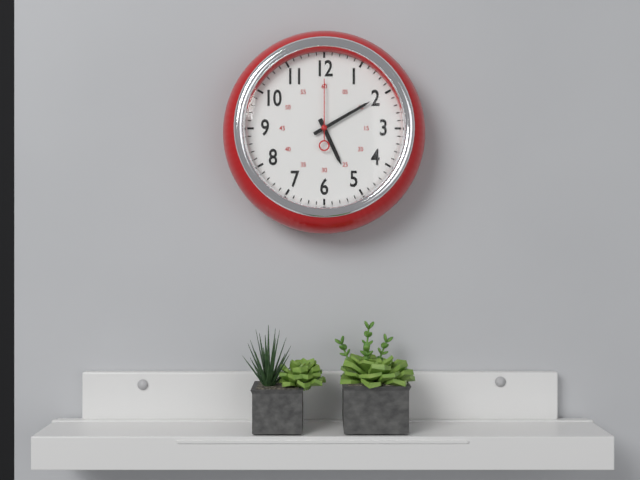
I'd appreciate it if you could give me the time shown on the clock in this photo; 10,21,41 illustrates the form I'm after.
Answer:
5,10,00
